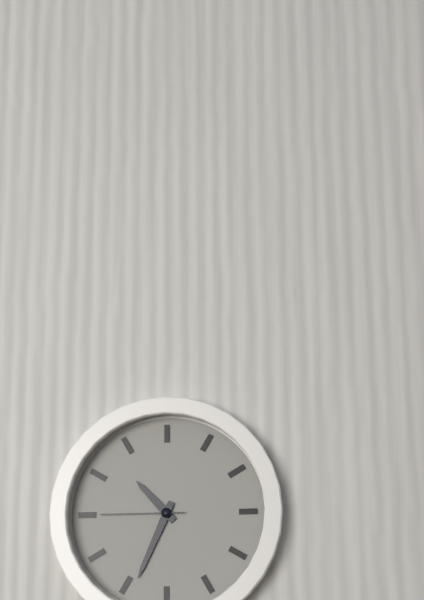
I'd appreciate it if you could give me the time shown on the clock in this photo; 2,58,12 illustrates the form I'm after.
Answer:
10,34,45
